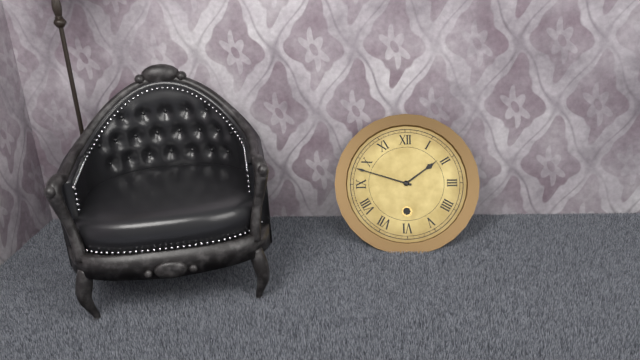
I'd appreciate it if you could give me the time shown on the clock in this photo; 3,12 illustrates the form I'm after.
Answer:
1,48
